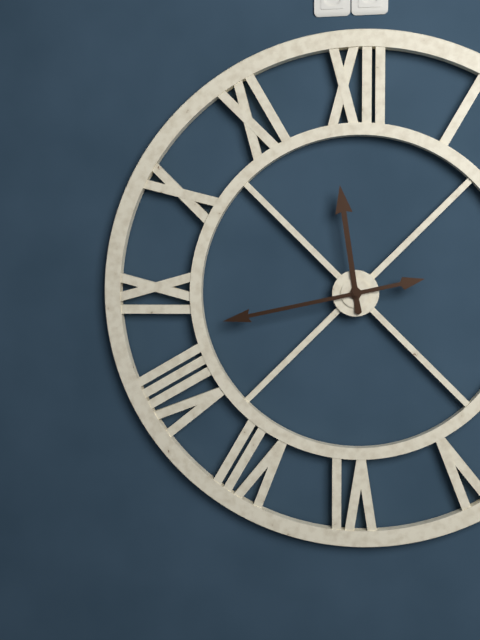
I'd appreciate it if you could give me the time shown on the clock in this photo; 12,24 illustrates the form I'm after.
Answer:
11,43
